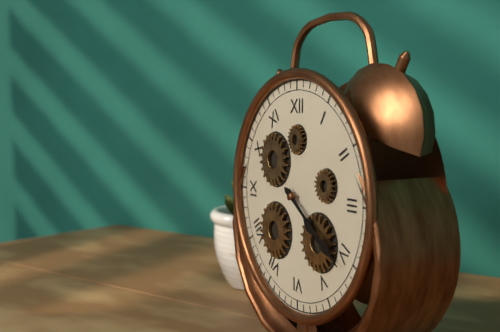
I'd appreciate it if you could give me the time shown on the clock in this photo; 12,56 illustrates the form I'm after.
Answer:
4,21
